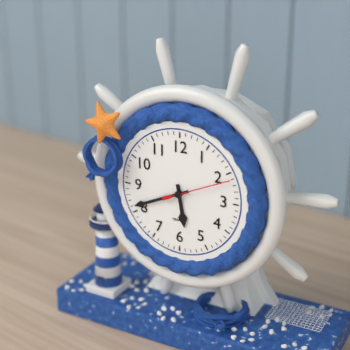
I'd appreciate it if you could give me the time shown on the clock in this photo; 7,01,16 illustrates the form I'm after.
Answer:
5,41,11
